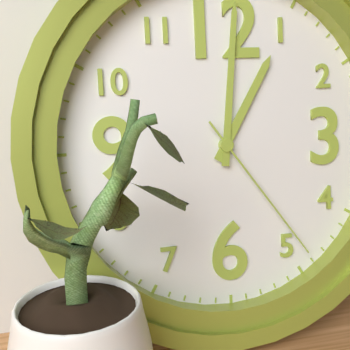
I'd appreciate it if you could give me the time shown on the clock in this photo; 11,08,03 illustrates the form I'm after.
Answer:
1,01,24
